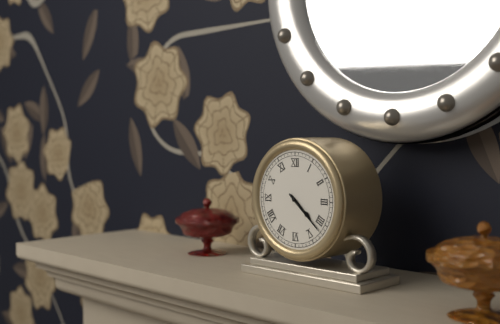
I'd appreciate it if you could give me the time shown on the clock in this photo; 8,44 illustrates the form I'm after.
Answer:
4,22
